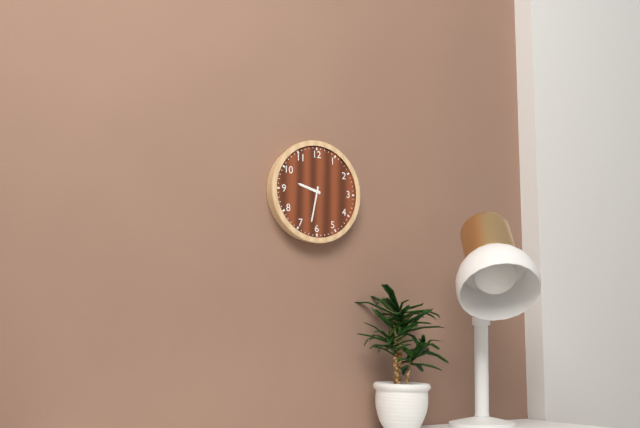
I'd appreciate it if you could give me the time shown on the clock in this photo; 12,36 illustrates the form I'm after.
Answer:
9,32
